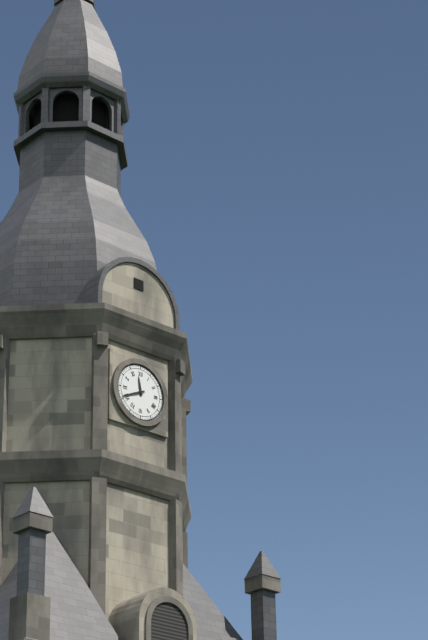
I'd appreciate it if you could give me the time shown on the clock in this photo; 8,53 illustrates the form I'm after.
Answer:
11,41
